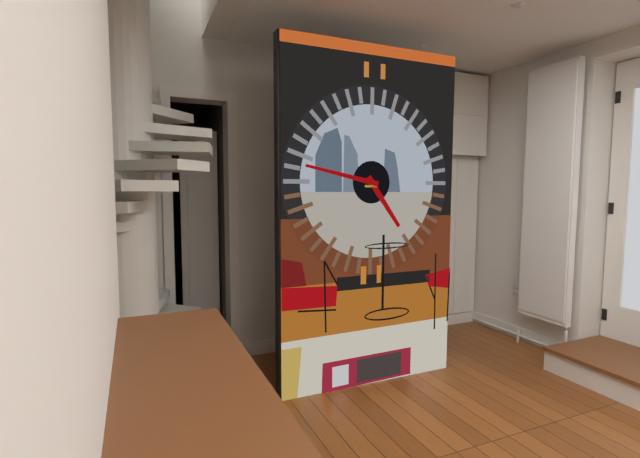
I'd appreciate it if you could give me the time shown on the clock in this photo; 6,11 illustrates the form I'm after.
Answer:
4,47
